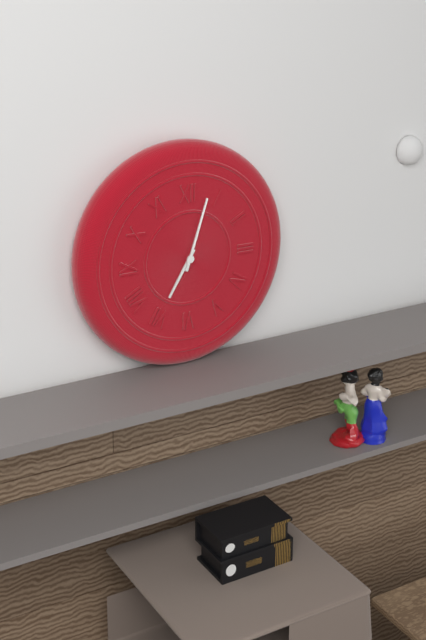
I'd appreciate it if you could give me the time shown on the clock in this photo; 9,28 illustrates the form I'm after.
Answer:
7,03
